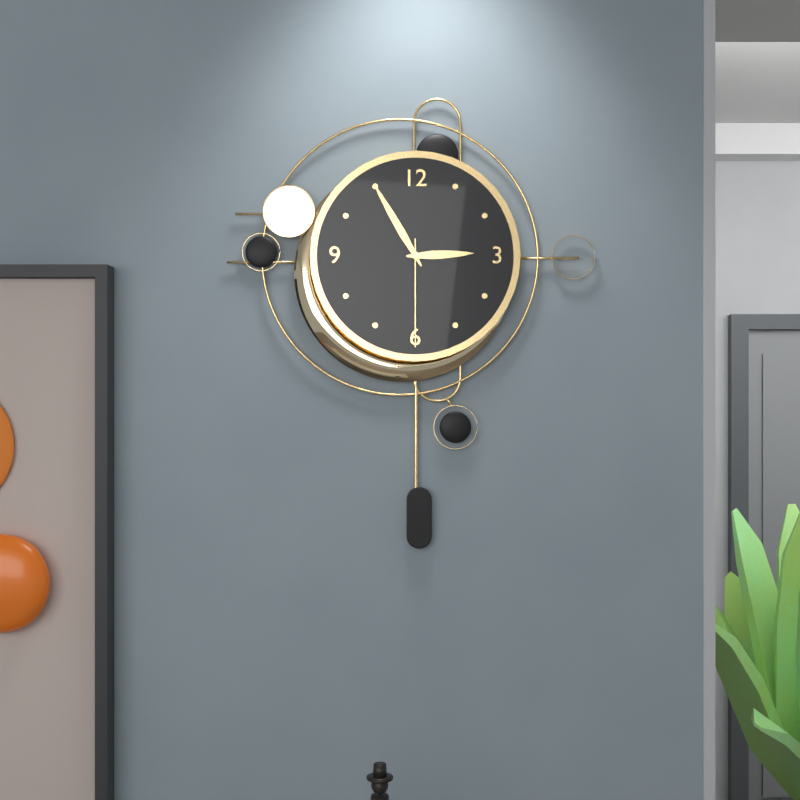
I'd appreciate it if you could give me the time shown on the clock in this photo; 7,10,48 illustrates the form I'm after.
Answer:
2,55,30
